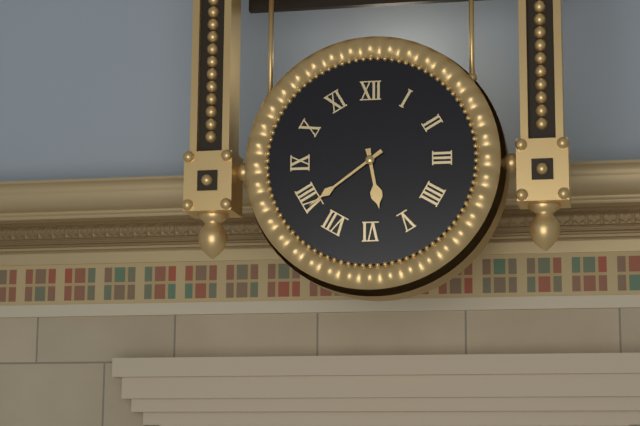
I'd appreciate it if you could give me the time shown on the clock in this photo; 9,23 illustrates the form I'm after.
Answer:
5,39
